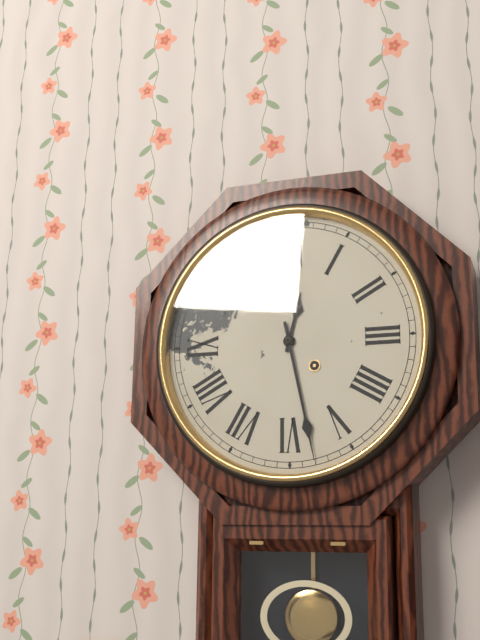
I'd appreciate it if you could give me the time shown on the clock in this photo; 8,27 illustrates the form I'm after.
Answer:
12,28
